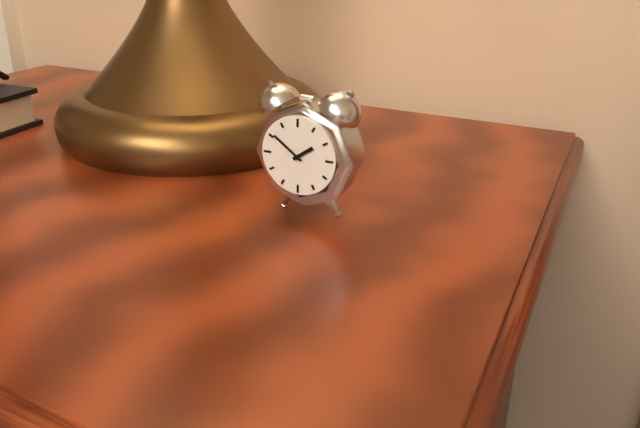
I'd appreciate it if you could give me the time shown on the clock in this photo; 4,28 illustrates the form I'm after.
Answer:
1,51
